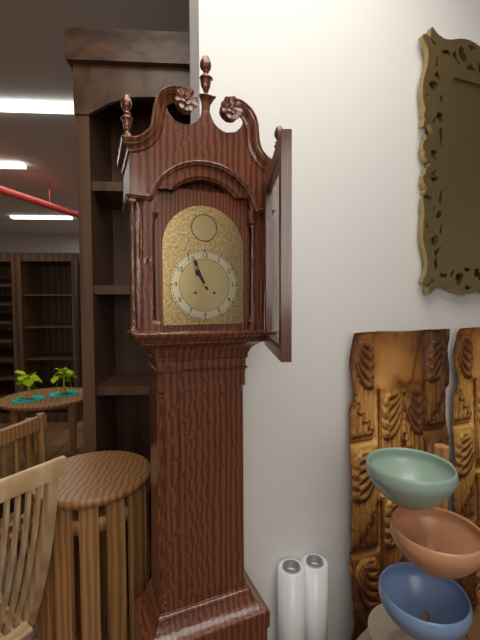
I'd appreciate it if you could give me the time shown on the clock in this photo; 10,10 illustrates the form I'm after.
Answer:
10,56
